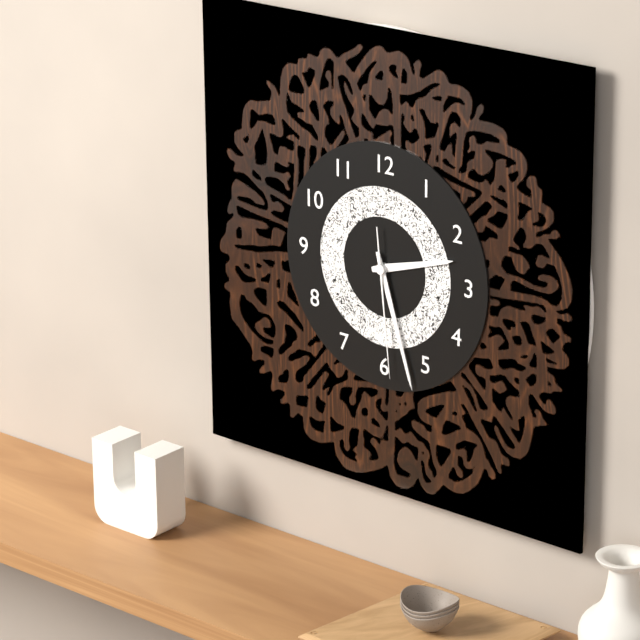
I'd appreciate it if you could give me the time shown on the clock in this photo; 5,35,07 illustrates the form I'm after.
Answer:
2,27,29
